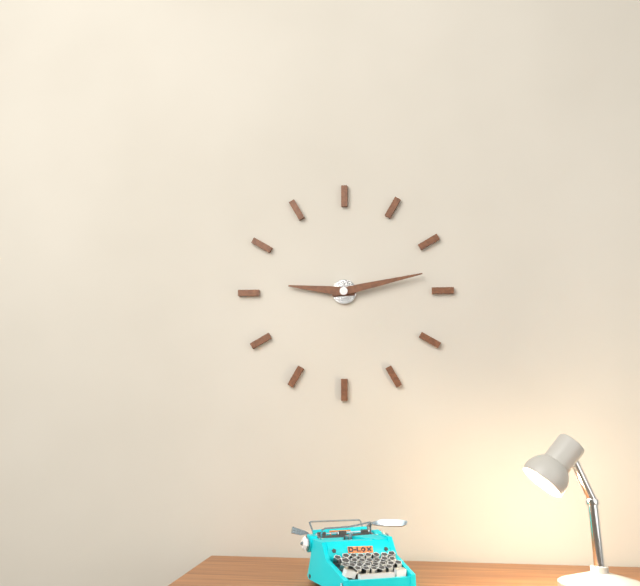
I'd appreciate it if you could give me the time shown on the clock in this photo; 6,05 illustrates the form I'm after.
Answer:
9,13
